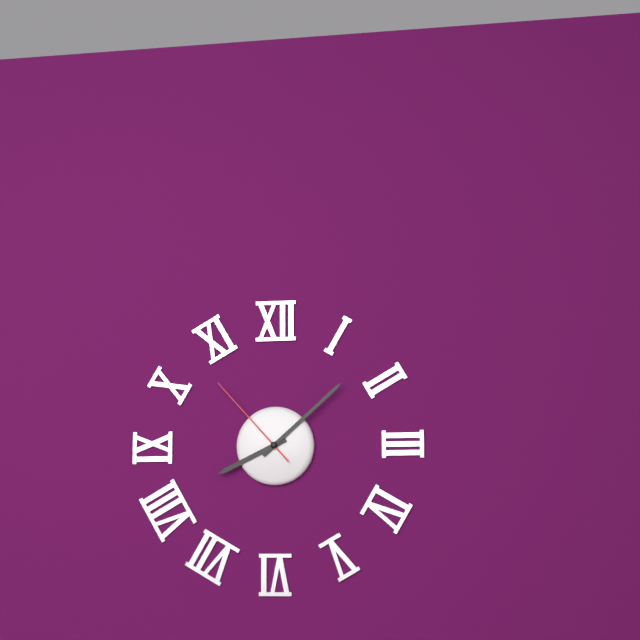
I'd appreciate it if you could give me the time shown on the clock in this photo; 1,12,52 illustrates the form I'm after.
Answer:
8,08,53
